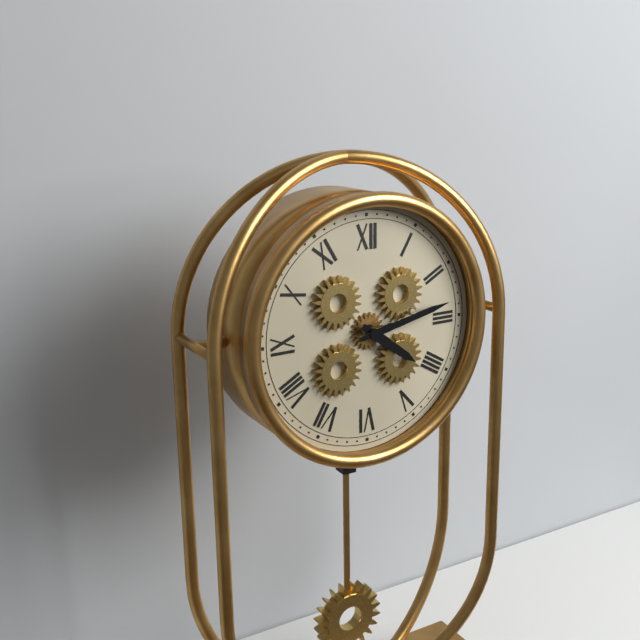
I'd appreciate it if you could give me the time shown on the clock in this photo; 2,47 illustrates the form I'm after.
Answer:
4,13
